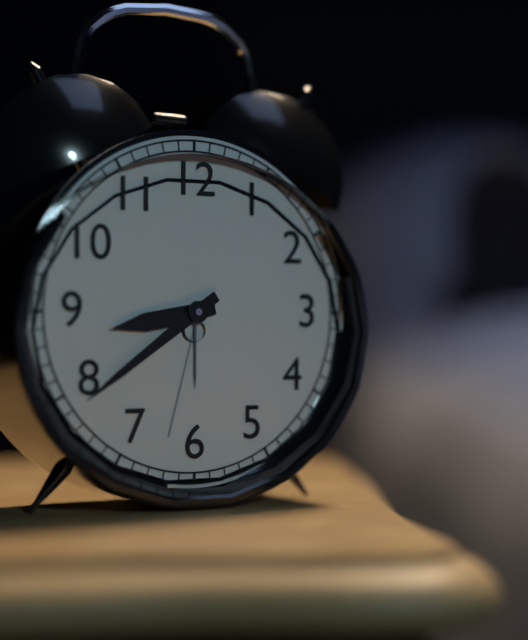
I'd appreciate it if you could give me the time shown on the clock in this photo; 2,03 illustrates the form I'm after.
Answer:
8,39
